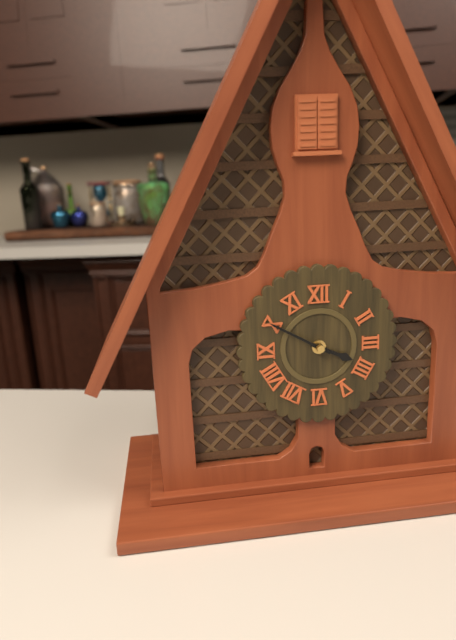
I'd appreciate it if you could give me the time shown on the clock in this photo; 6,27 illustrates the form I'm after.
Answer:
3,50
